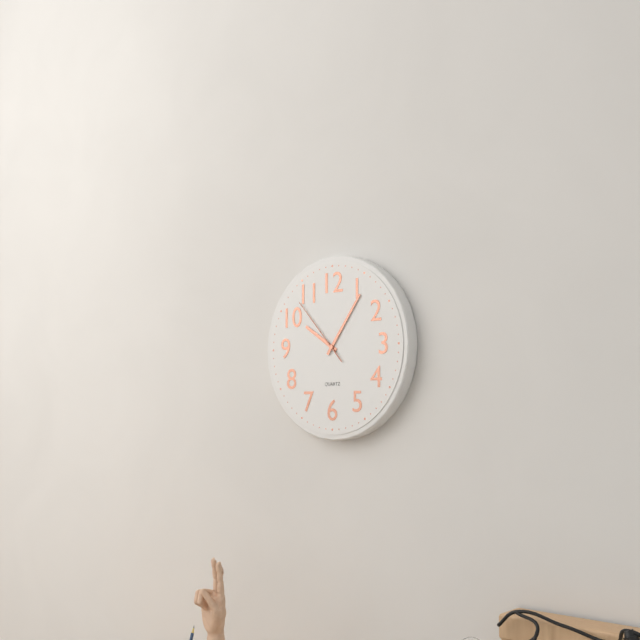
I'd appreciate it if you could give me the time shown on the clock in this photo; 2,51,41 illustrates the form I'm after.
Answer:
10,06,53
